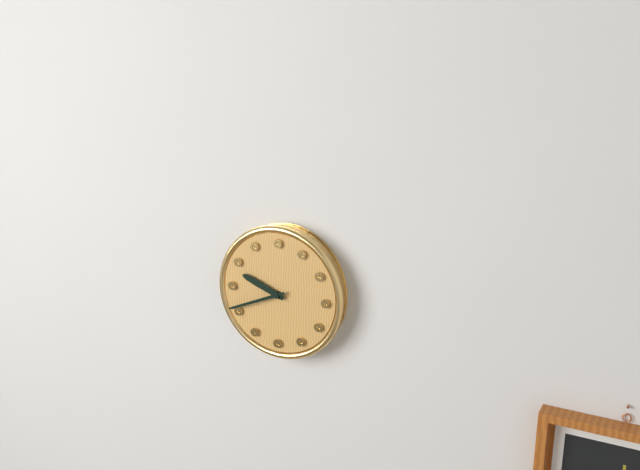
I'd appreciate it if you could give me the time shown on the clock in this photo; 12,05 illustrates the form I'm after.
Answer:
9,41
